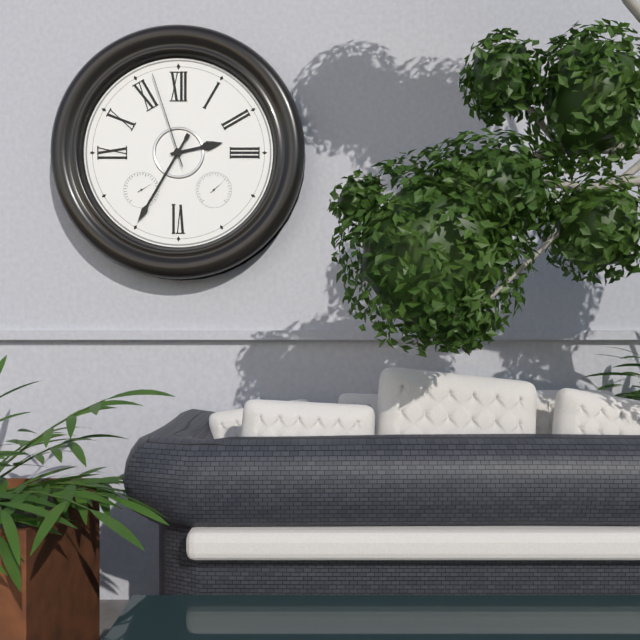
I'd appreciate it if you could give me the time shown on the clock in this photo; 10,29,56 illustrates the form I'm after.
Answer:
2,35,57
